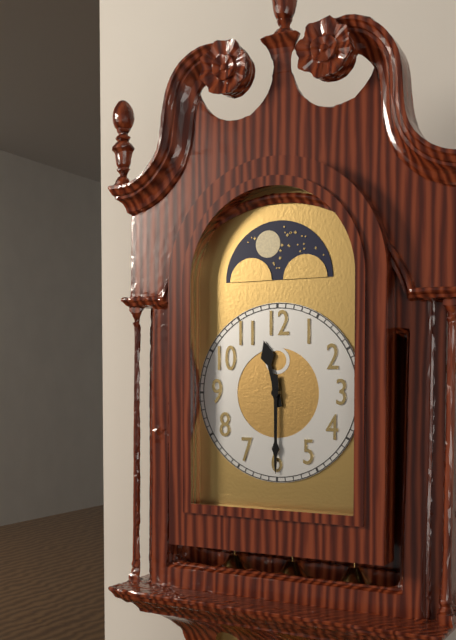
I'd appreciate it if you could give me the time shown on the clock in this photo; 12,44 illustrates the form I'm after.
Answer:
11,30
